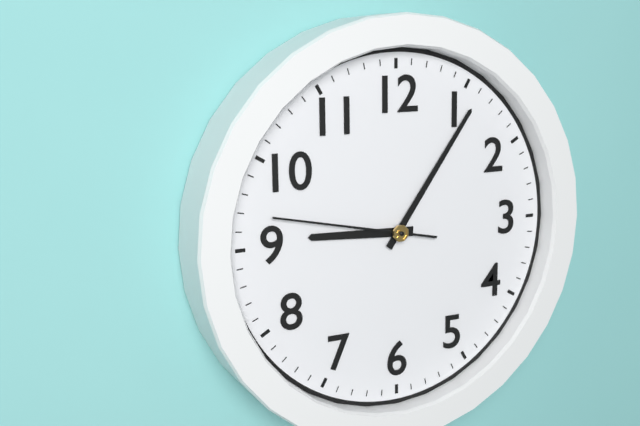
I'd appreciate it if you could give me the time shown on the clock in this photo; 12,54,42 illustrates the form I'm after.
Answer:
9,06,47
